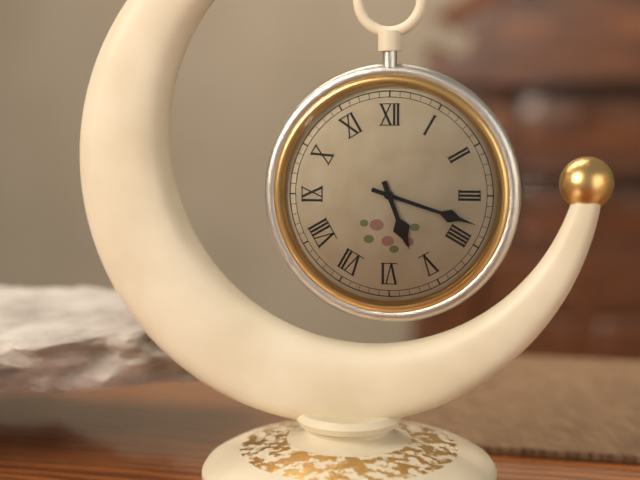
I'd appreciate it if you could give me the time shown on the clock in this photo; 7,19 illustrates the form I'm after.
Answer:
5,18
